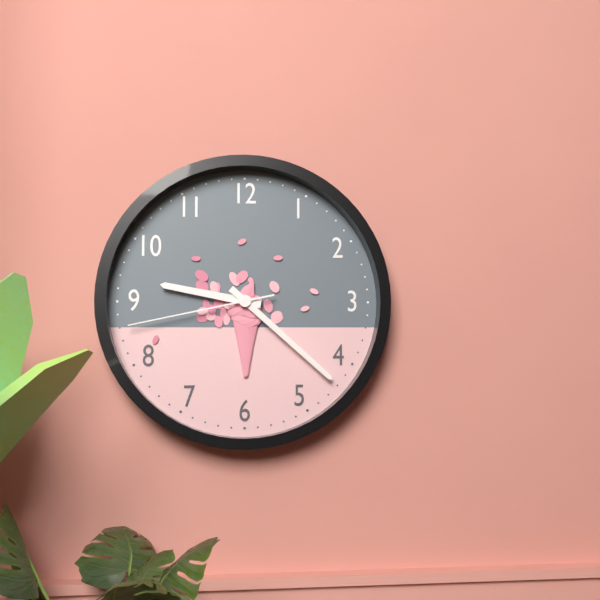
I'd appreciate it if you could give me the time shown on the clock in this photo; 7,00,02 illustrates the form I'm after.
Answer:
9,22,43
